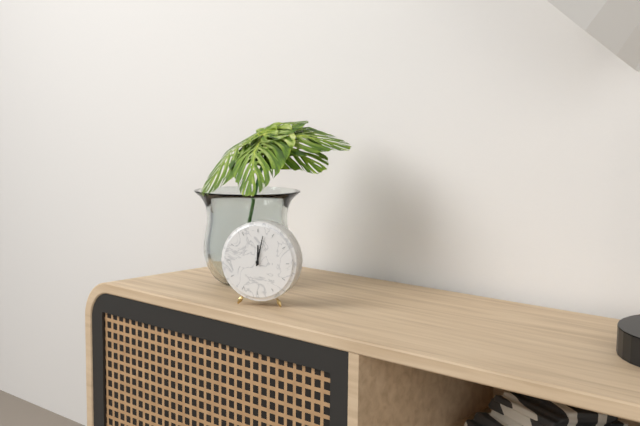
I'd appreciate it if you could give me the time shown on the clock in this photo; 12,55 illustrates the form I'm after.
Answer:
12,02
